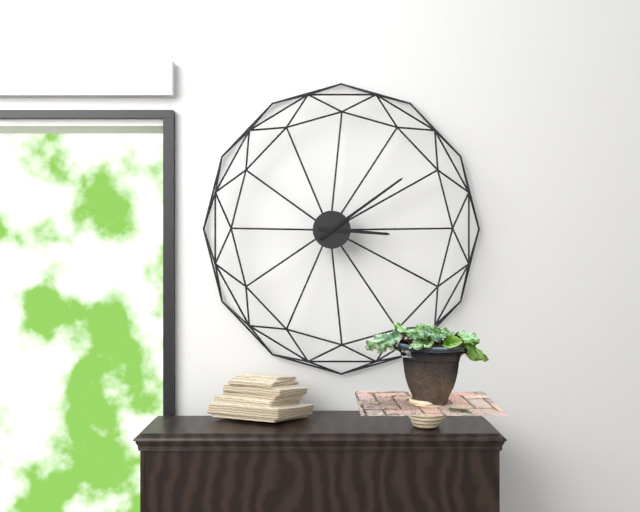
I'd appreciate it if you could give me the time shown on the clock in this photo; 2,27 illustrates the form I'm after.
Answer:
3,09
